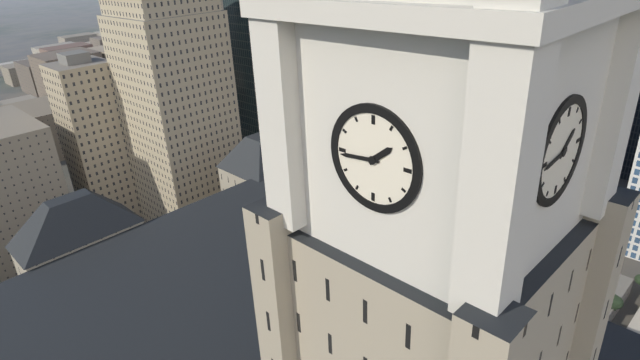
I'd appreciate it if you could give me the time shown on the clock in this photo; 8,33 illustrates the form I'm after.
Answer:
1,44
